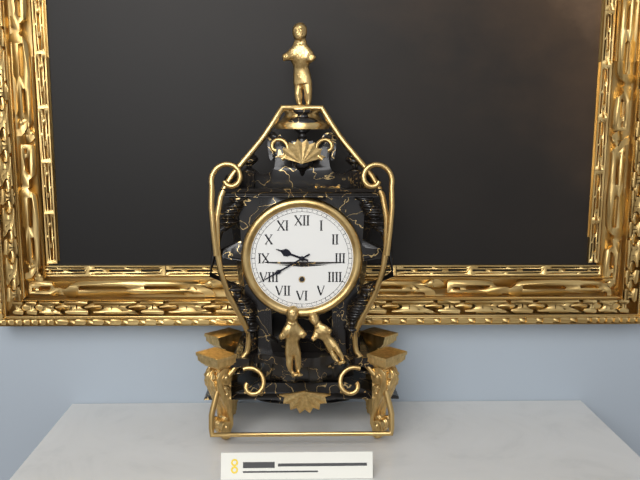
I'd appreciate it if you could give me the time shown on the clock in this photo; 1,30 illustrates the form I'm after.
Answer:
9,40
